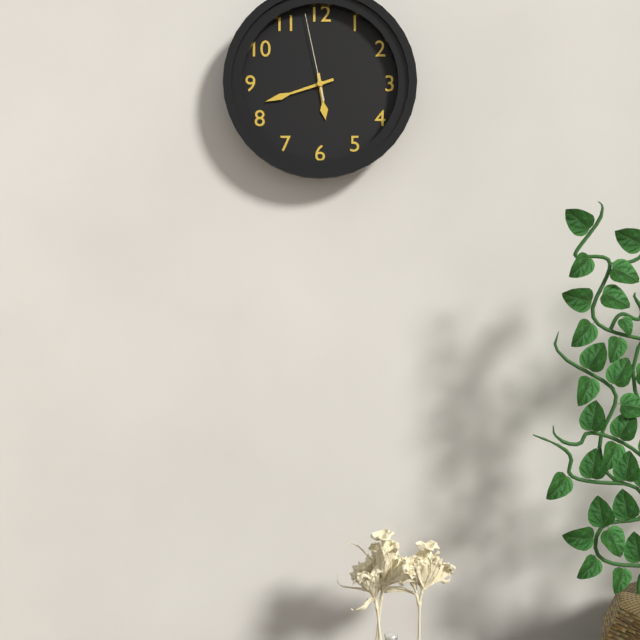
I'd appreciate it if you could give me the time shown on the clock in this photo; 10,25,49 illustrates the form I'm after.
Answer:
5,42,58
